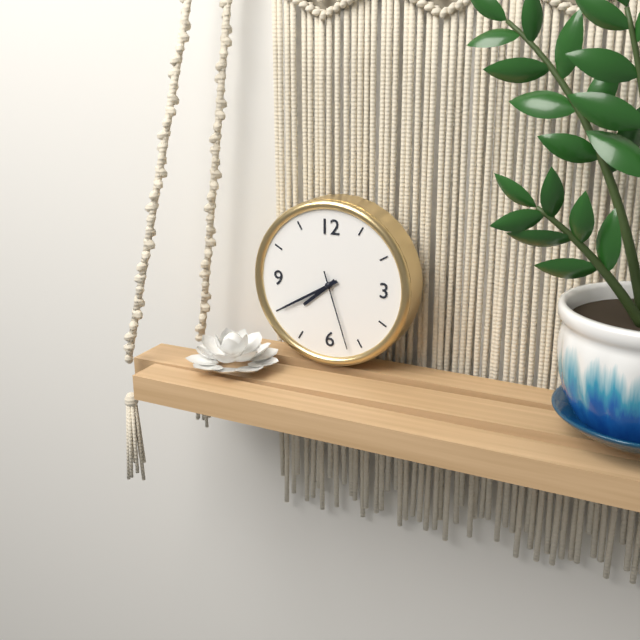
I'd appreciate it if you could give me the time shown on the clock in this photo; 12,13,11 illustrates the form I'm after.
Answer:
7,40,27
